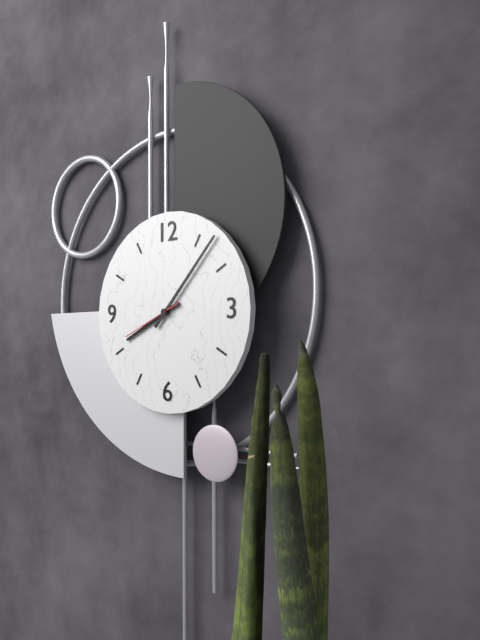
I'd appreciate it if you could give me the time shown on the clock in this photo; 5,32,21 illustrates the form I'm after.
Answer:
8,07,41
